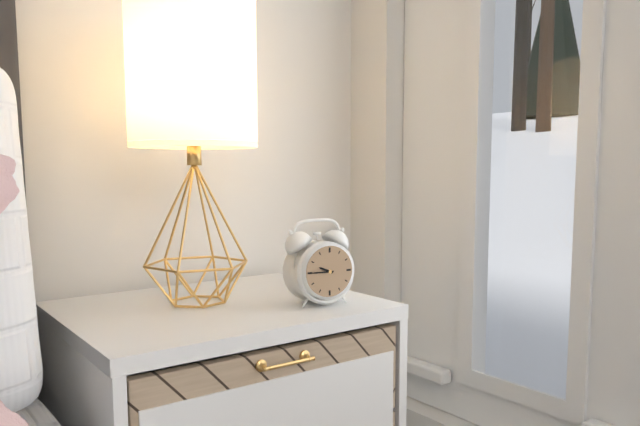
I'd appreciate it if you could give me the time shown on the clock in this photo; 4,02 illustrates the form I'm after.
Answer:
9,45
